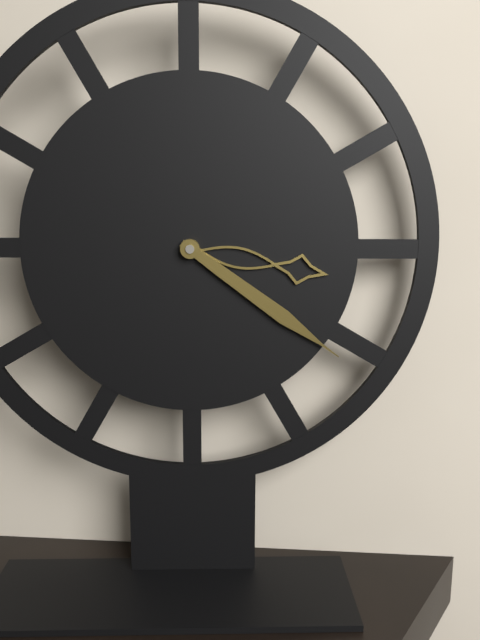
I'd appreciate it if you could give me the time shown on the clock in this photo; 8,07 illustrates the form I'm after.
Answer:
3,21
